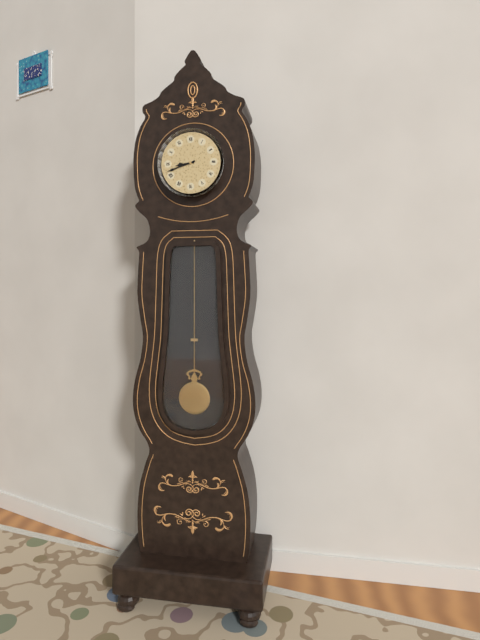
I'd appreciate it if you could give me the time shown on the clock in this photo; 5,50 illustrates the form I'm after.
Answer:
8,42
